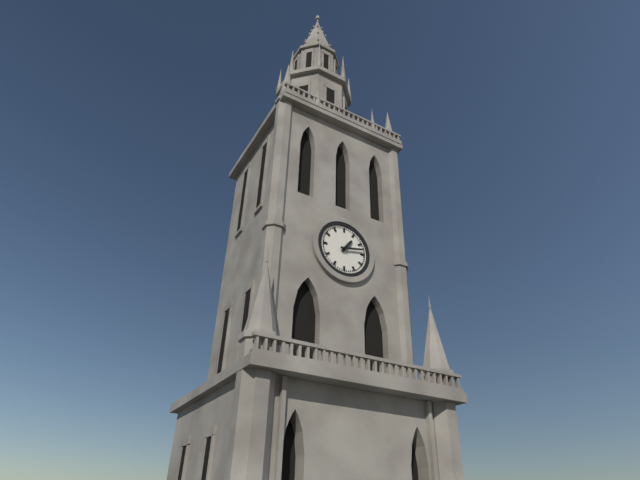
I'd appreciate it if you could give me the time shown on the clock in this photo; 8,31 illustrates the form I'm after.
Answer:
1,13
